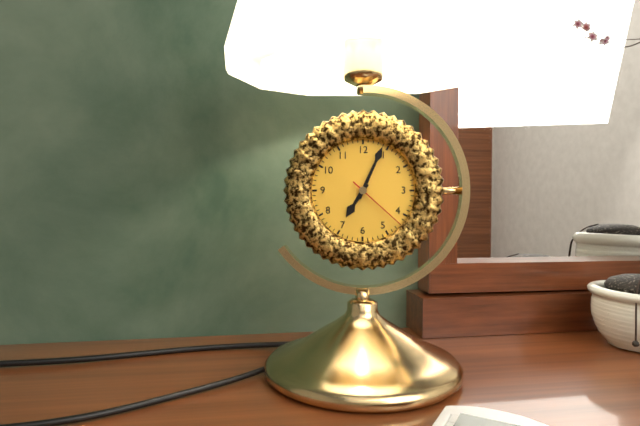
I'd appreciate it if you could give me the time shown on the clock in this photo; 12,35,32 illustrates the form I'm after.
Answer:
7,04,22
